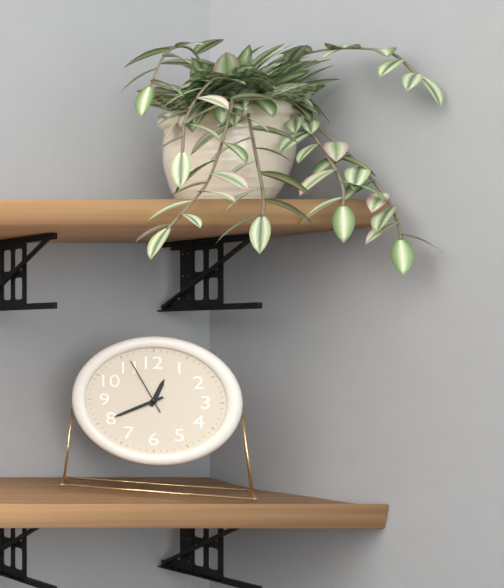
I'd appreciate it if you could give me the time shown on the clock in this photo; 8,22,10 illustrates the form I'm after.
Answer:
12,40,56
